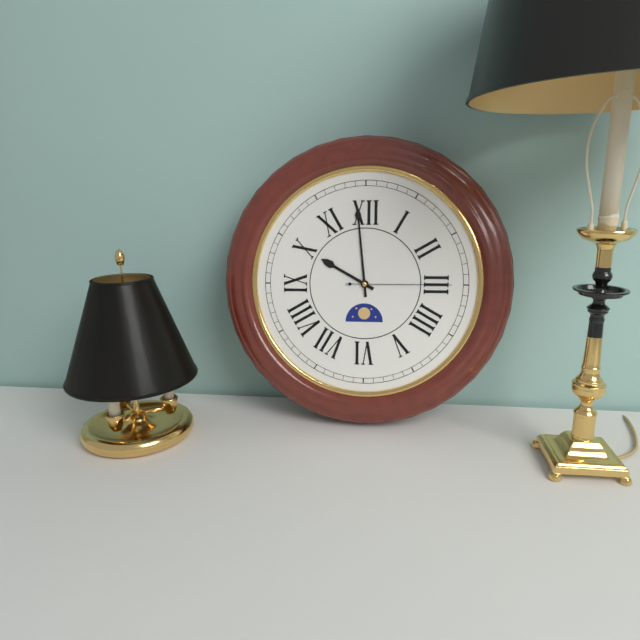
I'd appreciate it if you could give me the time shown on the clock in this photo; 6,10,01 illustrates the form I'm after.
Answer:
9,59,15
